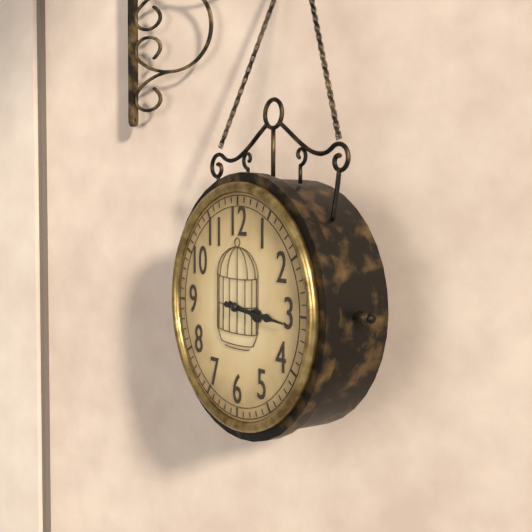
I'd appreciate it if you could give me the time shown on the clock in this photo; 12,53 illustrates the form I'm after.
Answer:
3,16
